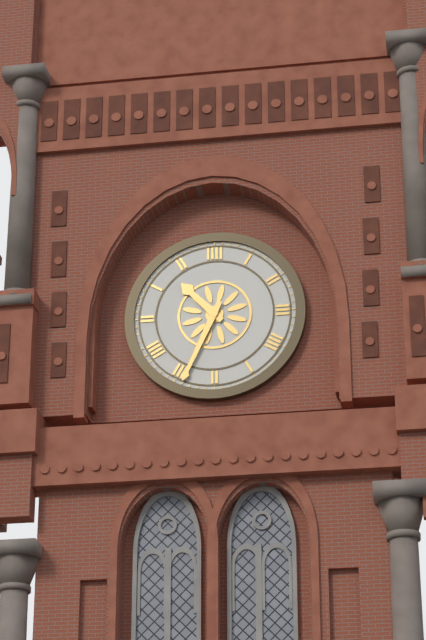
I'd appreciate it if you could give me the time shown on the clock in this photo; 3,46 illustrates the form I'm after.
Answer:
10,34
